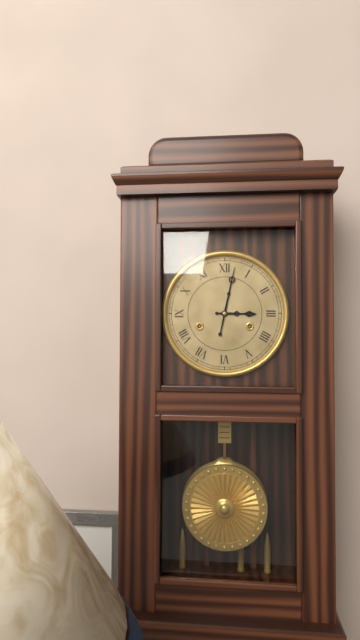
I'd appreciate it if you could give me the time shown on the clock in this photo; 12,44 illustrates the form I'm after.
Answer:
3,02
